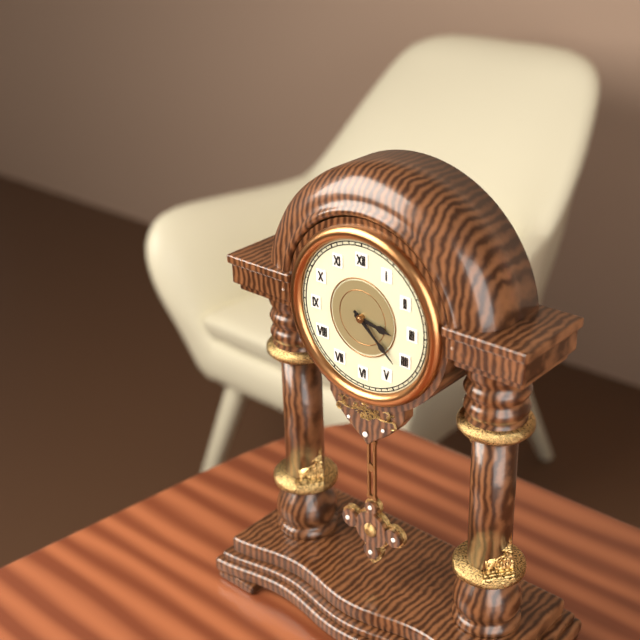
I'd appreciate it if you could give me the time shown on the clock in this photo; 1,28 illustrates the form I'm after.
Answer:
3,22
